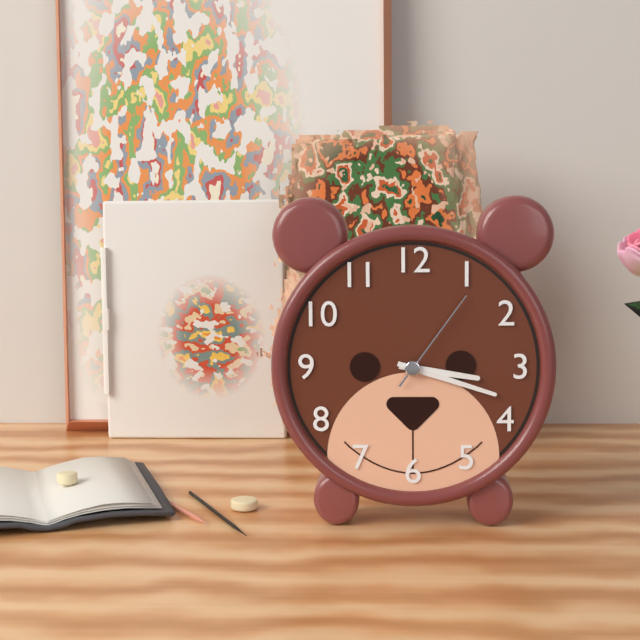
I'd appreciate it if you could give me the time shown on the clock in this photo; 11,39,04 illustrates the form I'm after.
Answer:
3,18,06
